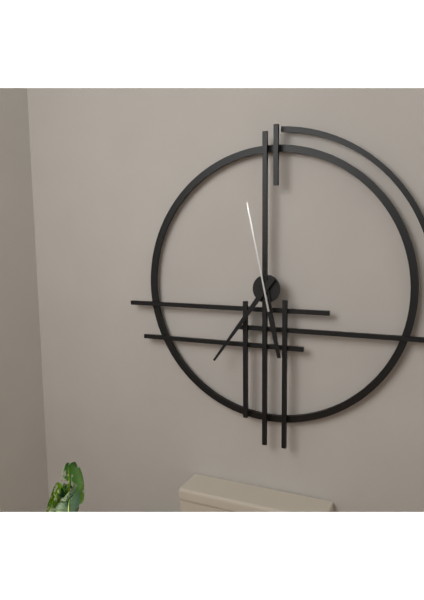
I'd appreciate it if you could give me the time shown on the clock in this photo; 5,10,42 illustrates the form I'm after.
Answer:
5,36,58
